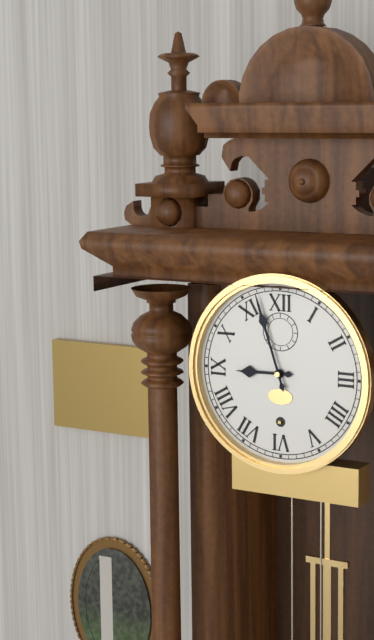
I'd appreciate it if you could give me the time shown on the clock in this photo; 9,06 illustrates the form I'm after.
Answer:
8,57
